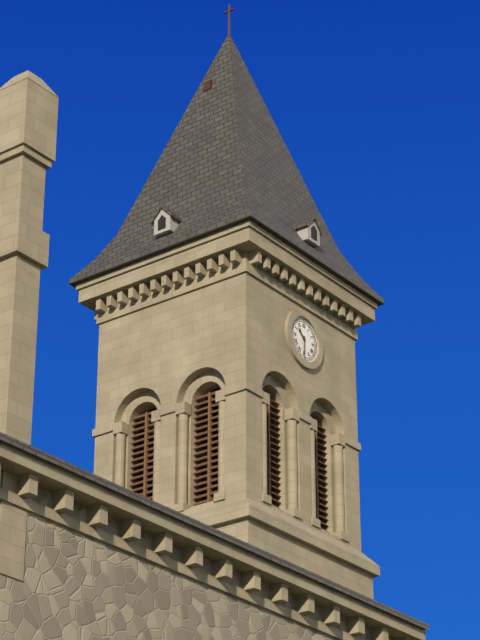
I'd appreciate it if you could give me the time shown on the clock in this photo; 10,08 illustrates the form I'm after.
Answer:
10,30
